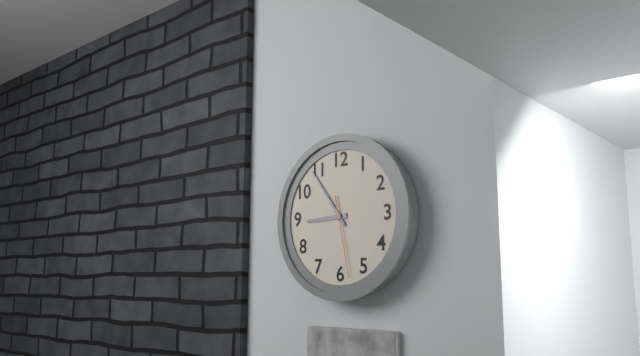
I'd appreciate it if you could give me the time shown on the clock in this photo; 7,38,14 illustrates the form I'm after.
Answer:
8,54,28
